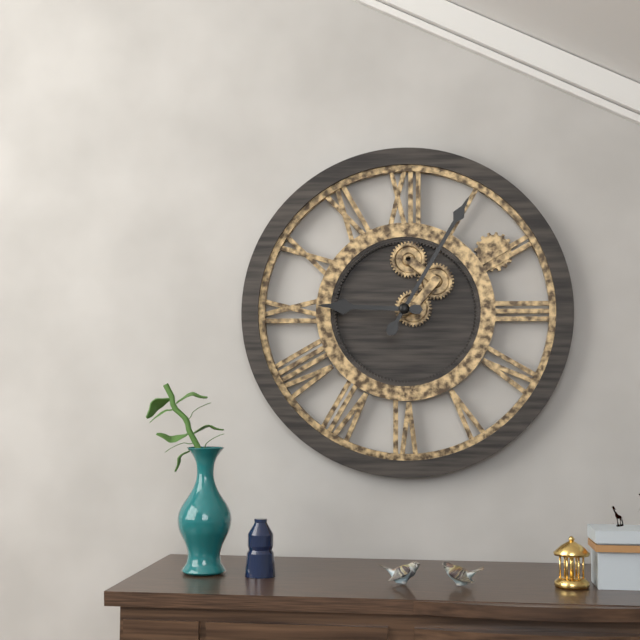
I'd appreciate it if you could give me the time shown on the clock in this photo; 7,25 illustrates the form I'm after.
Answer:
9,05
